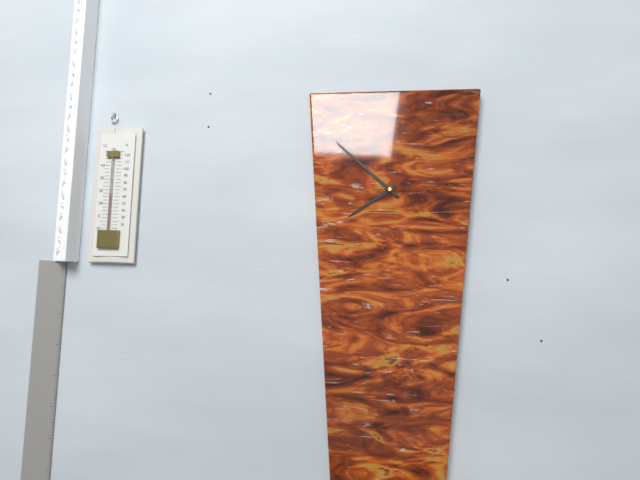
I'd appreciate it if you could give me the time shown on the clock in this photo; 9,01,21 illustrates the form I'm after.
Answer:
7,52,15
